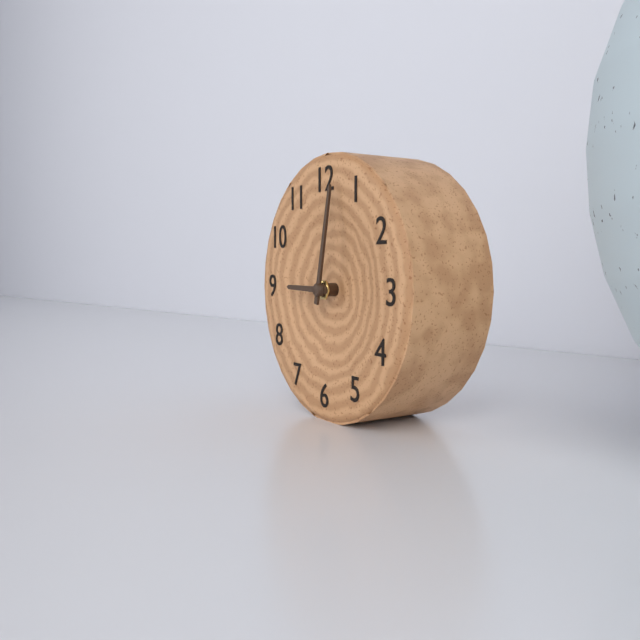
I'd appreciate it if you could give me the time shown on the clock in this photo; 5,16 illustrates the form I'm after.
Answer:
9,02
